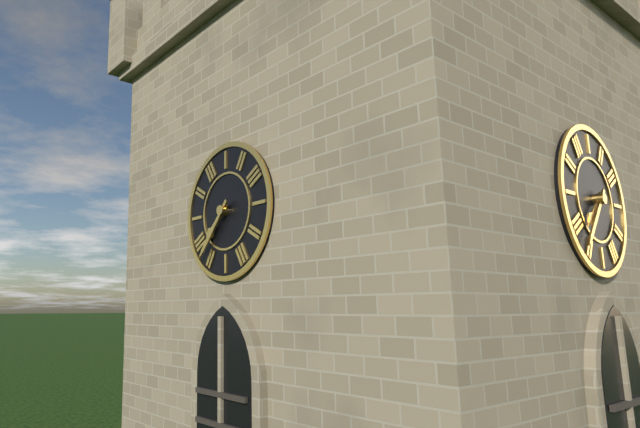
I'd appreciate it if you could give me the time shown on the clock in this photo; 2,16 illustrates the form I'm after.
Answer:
7,37
